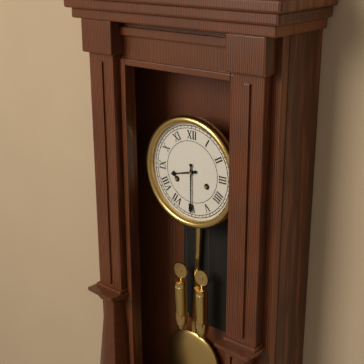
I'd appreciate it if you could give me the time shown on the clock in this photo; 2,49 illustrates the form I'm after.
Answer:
8,30
